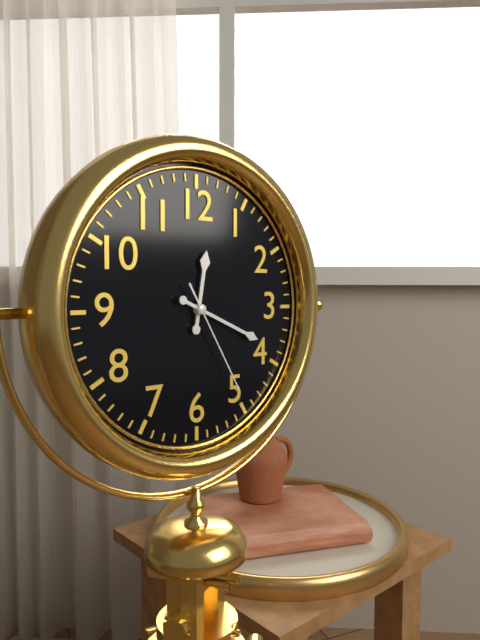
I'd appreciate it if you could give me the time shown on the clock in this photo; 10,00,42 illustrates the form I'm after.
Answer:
12,19,25
